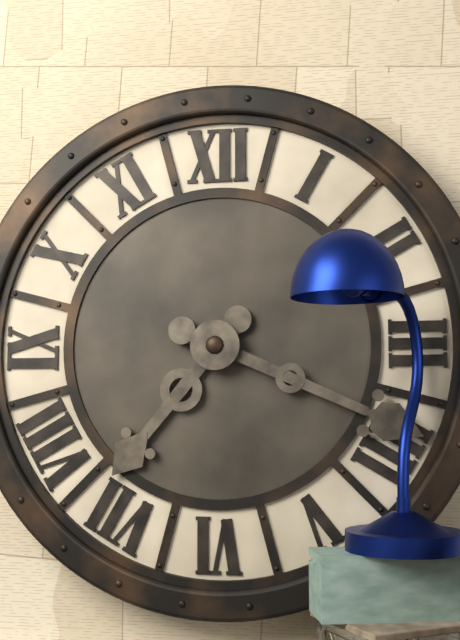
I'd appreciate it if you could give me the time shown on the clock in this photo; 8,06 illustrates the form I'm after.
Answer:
7,19
